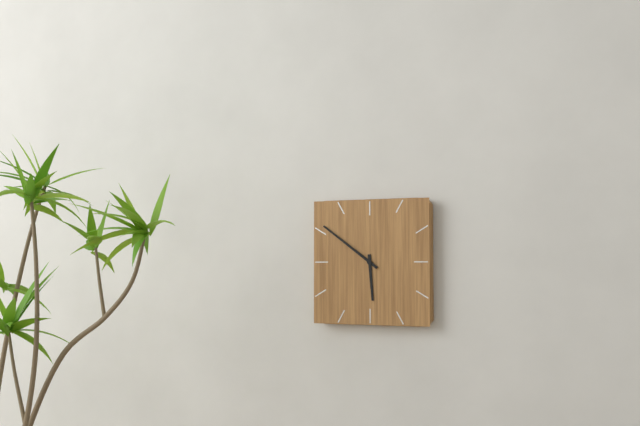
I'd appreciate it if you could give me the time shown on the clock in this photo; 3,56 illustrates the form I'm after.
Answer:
5,51
